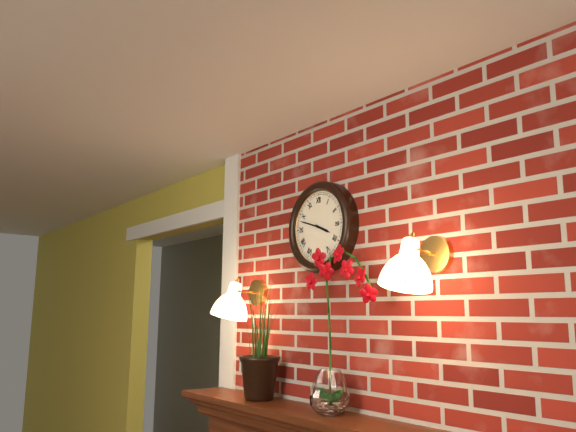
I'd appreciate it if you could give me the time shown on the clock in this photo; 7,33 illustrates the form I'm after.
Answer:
3,48
